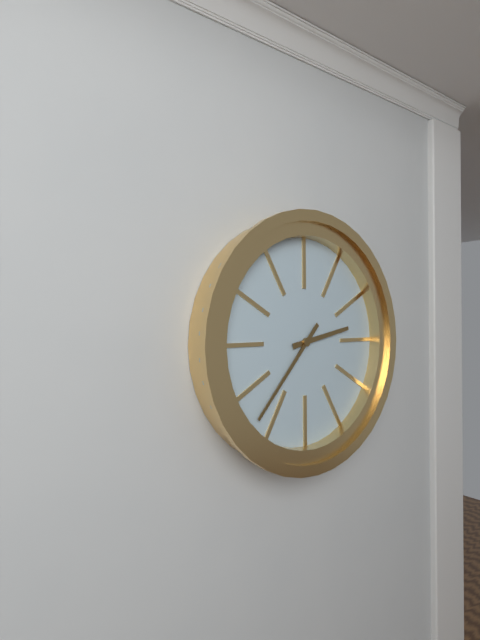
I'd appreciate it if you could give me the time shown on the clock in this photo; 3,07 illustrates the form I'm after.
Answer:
2,37
